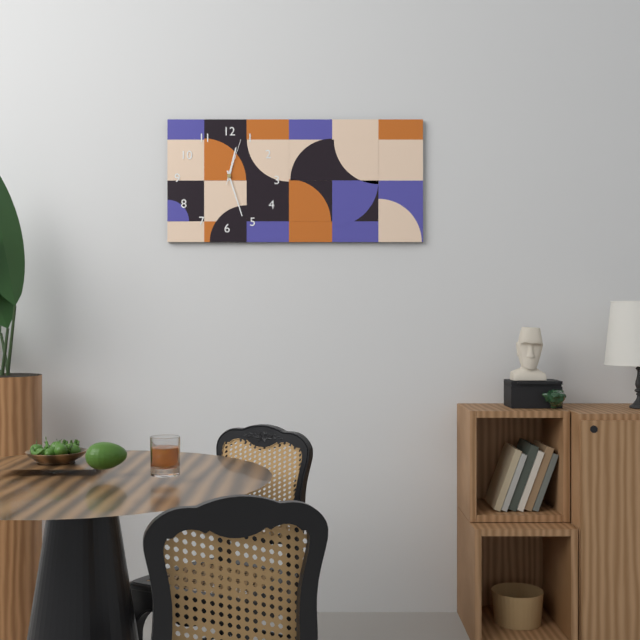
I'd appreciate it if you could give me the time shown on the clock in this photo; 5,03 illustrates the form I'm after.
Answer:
12,27
